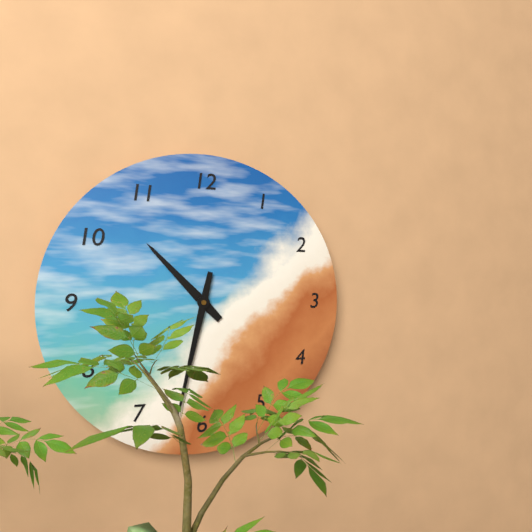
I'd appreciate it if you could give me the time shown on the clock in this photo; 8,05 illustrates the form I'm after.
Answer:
10,32
